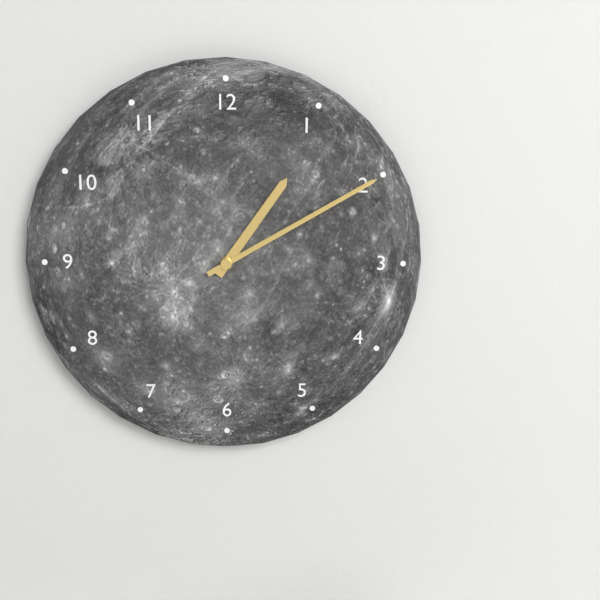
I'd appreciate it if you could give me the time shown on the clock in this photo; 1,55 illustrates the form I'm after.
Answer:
1,10
